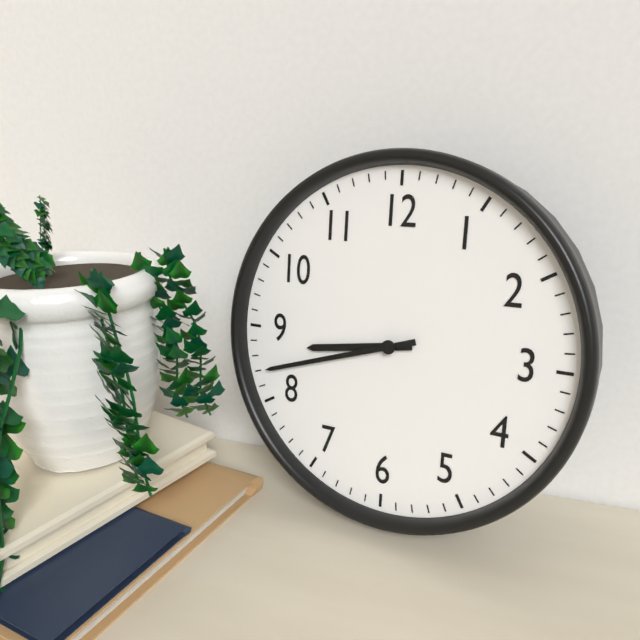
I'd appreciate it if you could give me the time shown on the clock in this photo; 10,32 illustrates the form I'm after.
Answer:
8,42
